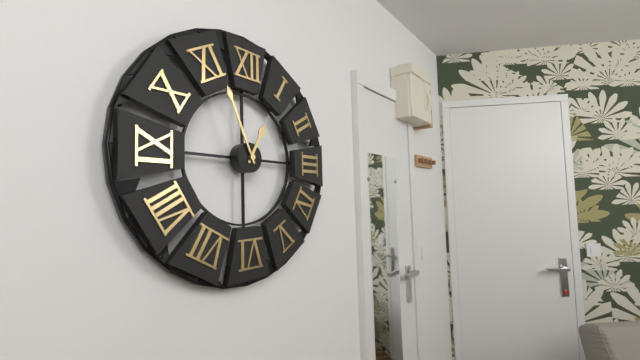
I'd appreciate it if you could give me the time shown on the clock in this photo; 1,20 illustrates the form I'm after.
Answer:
12,56
